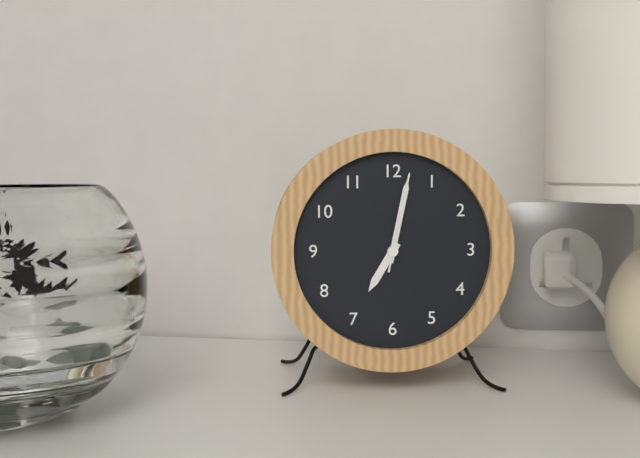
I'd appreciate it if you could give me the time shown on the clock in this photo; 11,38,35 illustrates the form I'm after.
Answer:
7,02,02
